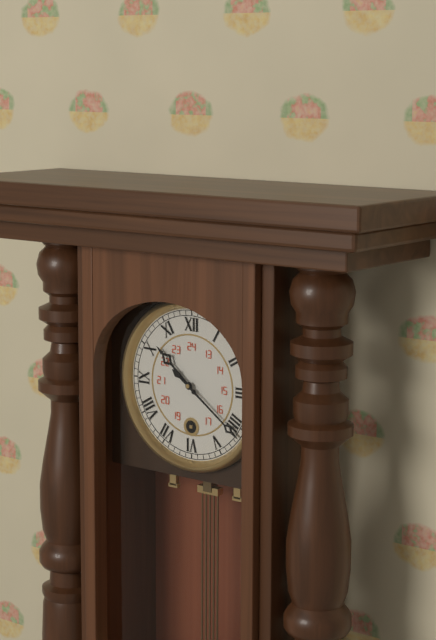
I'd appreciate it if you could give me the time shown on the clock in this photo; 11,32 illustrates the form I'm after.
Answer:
10,21
